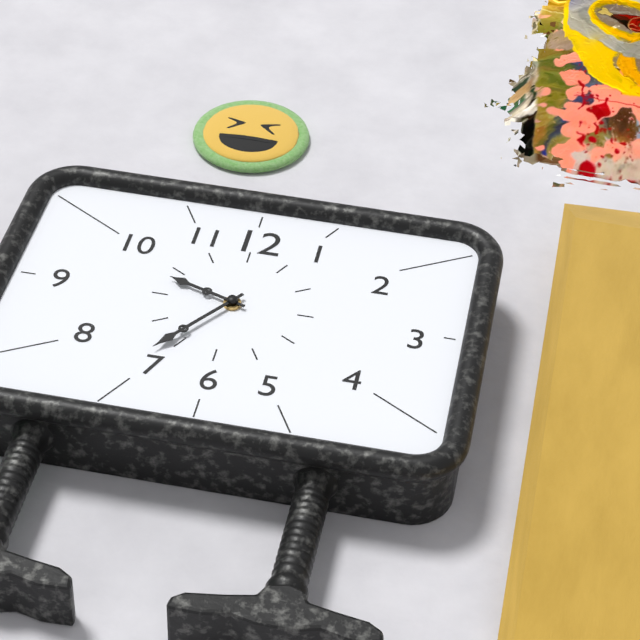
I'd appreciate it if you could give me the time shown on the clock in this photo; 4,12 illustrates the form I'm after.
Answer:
9,36
